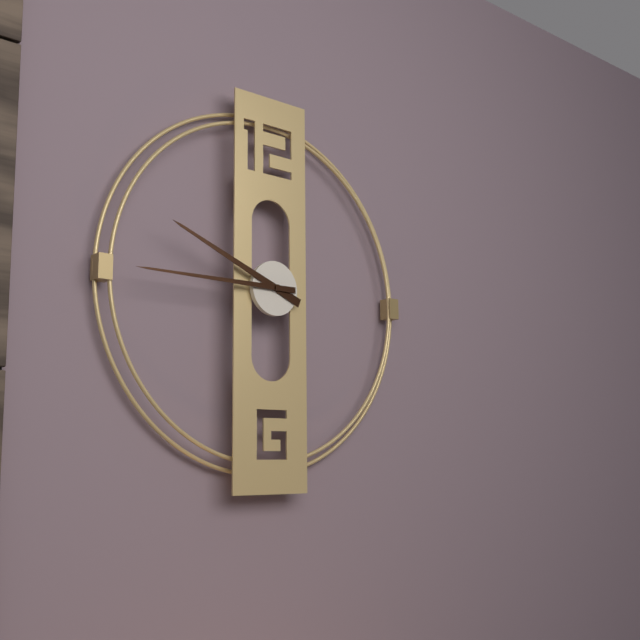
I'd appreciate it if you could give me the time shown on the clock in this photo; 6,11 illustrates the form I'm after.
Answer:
9,45
